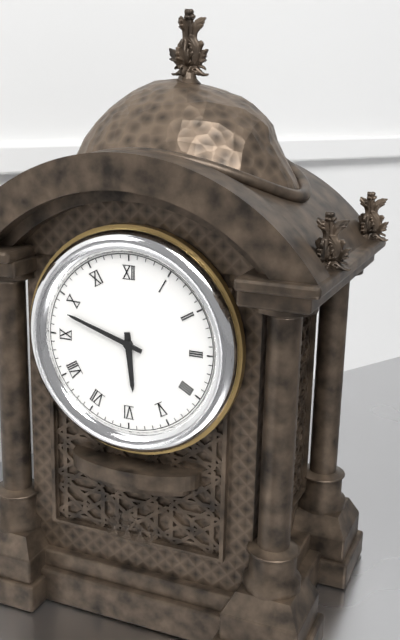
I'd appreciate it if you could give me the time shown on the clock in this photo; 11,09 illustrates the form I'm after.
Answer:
5,48
